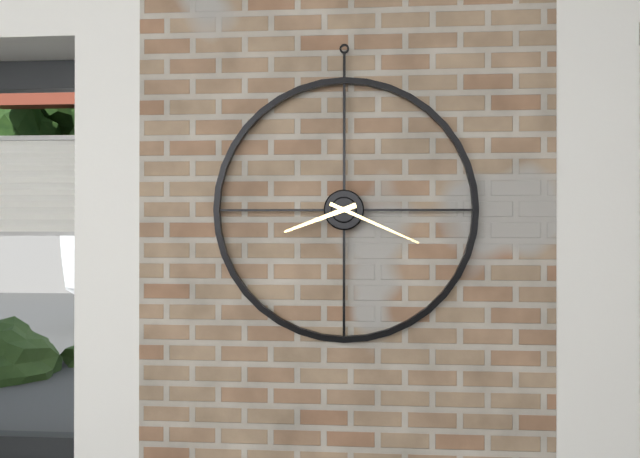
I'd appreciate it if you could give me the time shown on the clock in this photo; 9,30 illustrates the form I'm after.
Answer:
8,19
